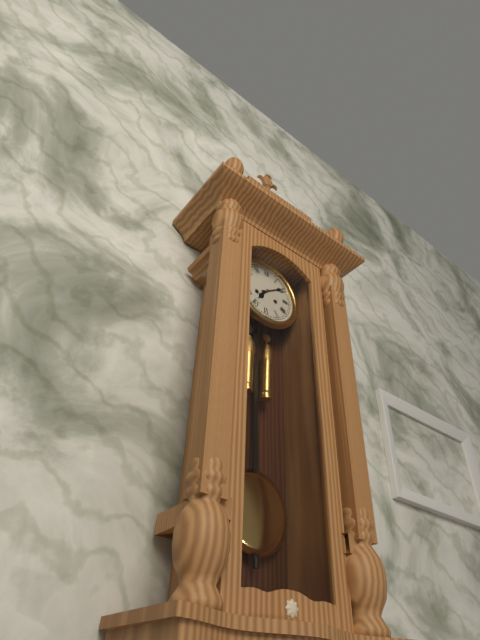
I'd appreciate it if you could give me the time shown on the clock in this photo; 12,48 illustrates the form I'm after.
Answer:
7,09
